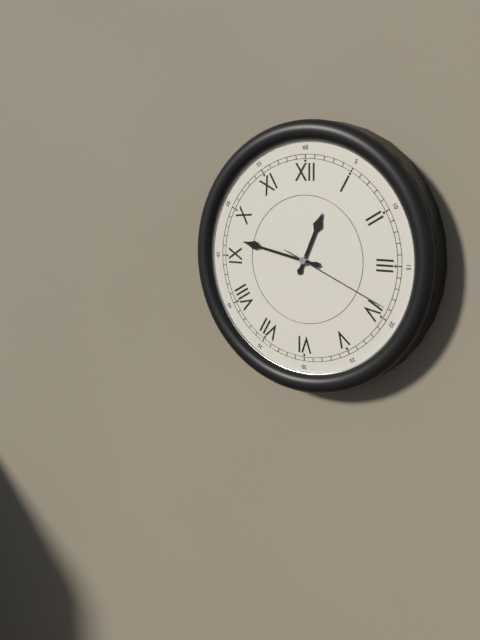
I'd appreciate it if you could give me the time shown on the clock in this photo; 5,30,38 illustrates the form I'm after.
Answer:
12,47,19
